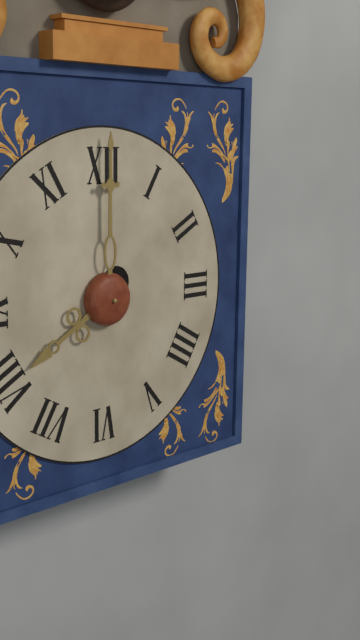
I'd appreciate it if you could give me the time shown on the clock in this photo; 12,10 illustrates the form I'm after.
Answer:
8,00
